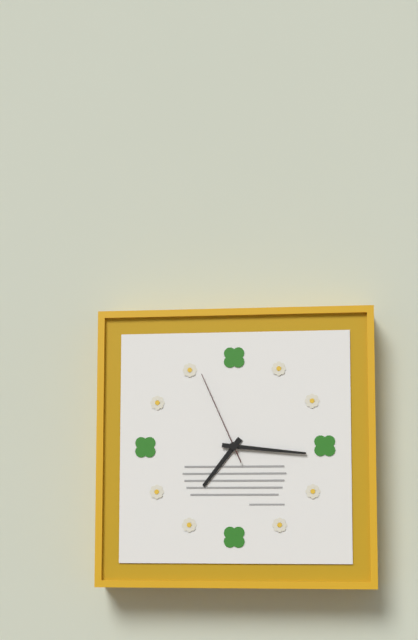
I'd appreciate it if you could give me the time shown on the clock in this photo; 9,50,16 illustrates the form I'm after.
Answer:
7,16,56
